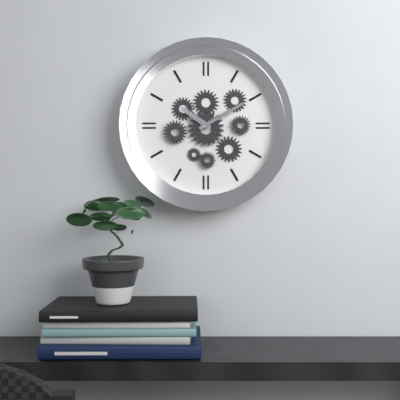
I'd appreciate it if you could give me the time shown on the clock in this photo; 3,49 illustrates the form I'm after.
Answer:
10,10
